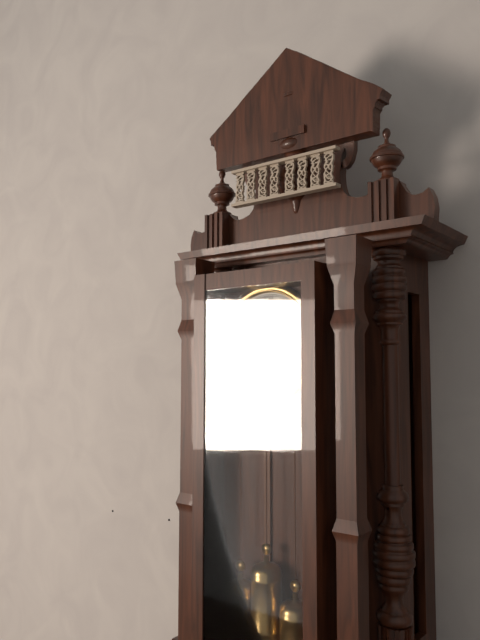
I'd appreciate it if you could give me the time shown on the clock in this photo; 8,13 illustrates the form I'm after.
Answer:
11,47
